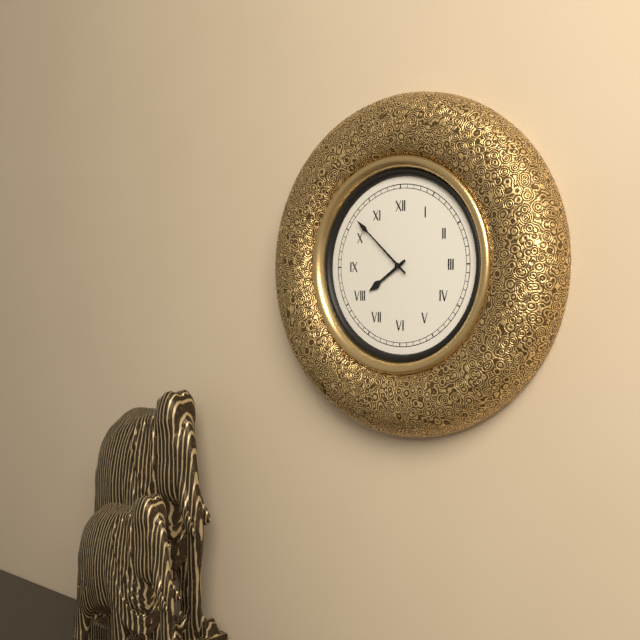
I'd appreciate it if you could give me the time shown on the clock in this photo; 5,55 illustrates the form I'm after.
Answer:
7,52
